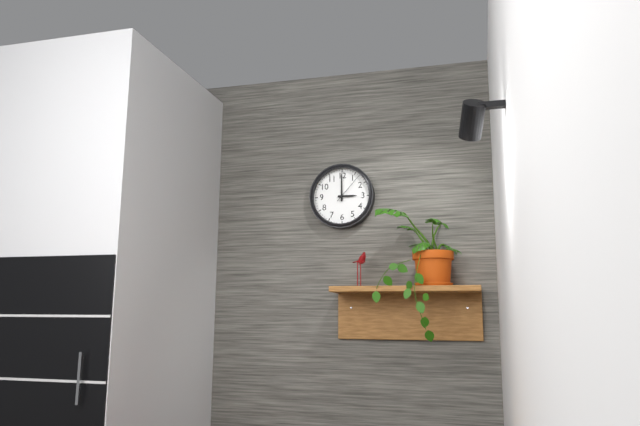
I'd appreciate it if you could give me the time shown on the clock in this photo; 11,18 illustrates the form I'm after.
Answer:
3,00
